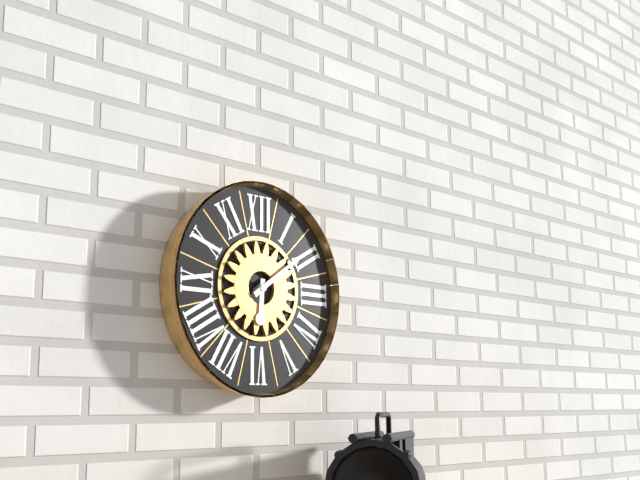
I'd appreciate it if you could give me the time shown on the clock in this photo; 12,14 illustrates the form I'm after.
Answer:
6,09
